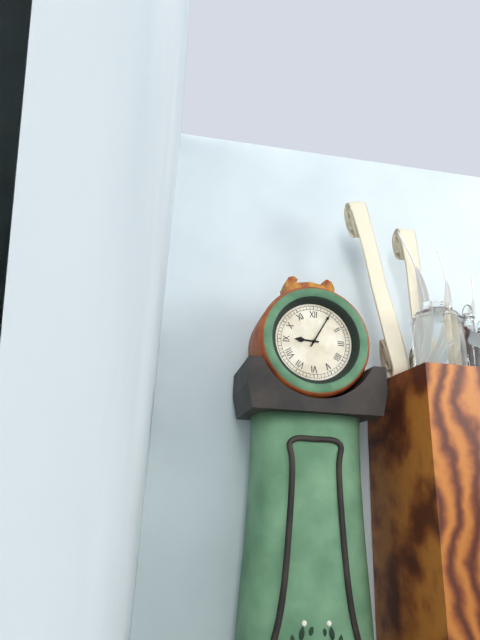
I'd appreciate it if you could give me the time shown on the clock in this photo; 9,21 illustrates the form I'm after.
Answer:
9,05
